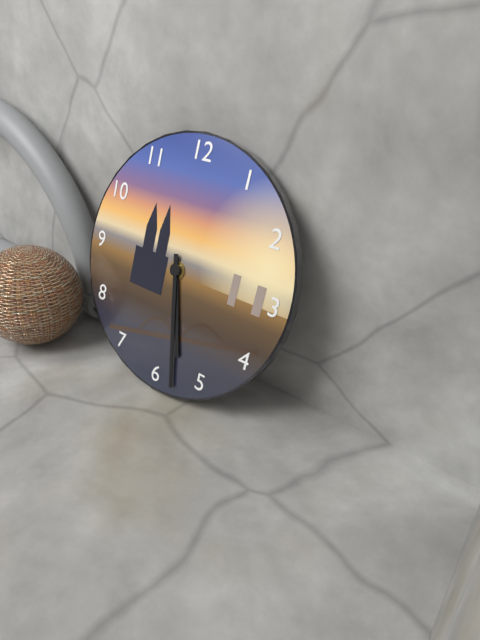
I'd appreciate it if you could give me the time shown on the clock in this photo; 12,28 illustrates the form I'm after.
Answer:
5,28
